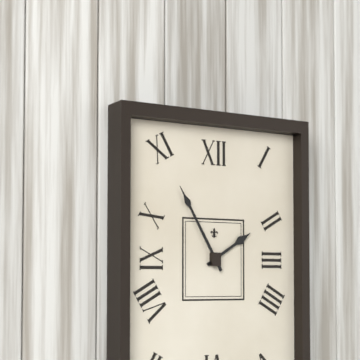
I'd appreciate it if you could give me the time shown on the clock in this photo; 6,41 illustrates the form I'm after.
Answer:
1,55
